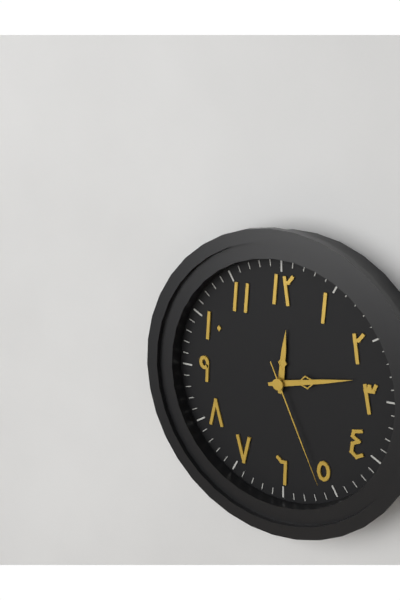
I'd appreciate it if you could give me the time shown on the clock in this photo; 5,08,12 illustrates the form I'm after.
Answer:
12,13,26
